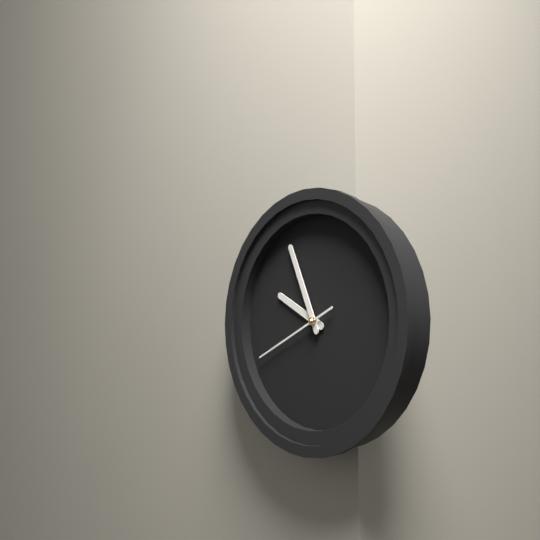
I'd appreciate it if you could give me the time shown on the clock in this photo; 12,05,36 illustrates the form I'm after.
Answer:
9,56,41
